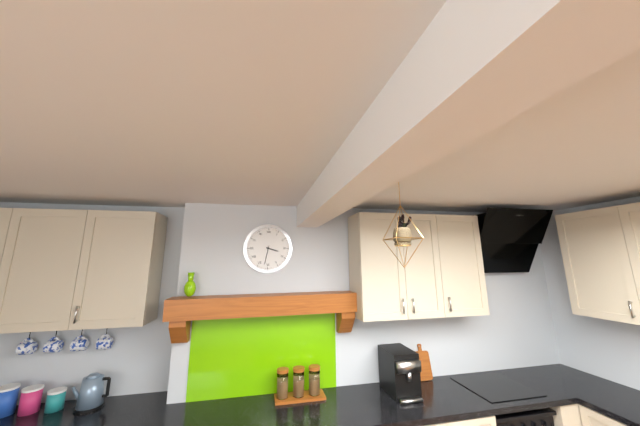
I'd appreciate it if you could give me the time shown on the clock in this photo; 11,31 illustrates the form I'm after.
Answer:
3,32
